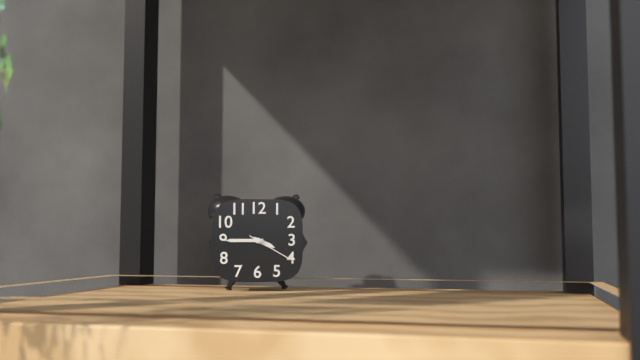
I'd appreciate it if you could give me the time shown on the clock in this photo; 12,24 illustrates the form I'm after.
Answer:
3,45
